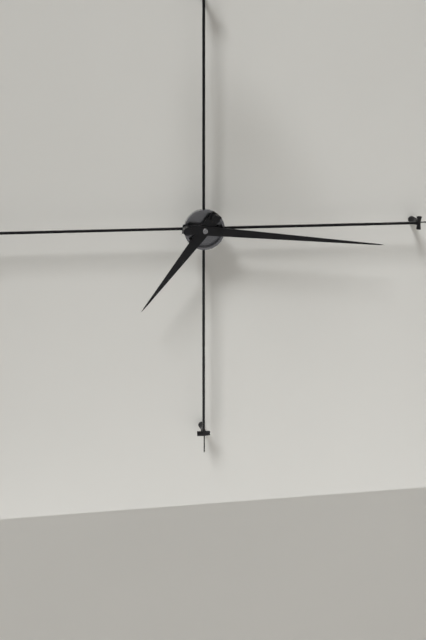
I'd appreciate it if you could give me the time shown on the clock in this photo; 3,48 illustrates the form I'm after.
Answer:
7,16
